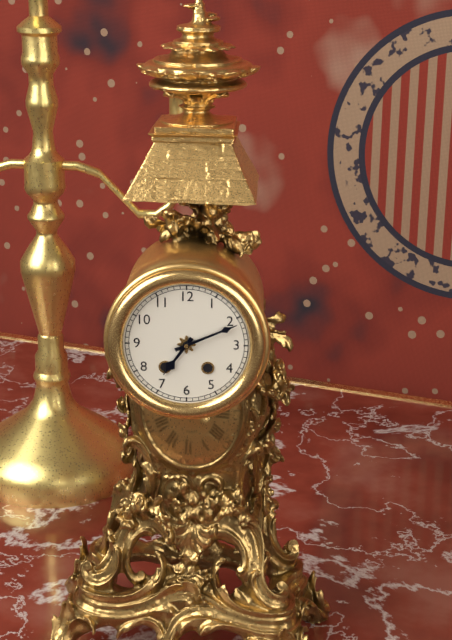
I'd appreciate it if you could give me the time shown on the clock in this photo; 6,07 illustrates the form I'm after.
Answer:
7,11
